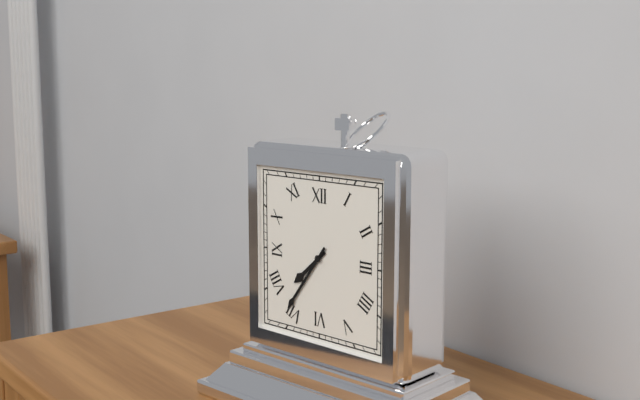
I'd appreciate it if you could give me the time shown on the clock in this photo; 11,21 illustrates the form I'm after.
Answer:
7,36
